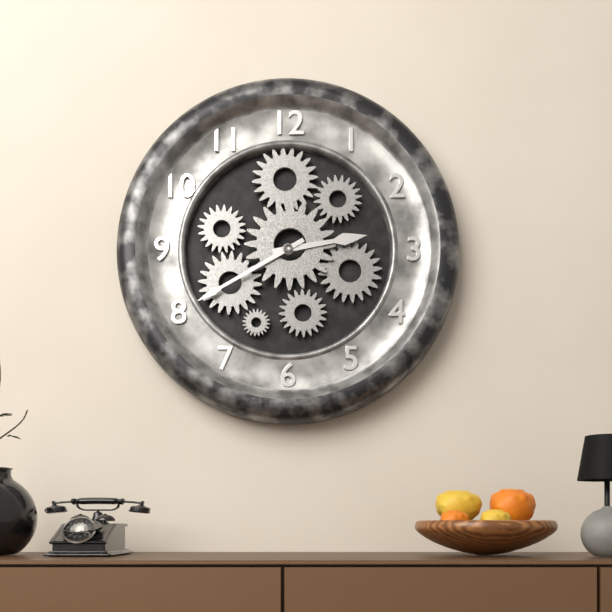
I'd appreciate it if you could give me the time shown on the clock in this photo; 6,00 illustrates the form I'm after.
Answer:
2,40
